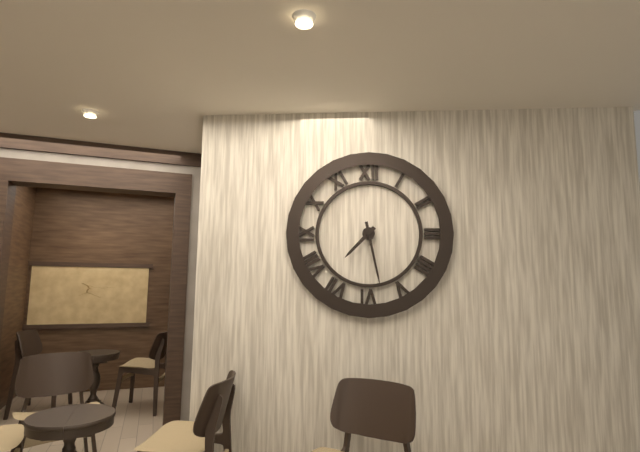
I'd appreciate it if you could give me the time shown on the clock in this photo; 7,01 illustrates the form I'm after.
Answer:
7,28
